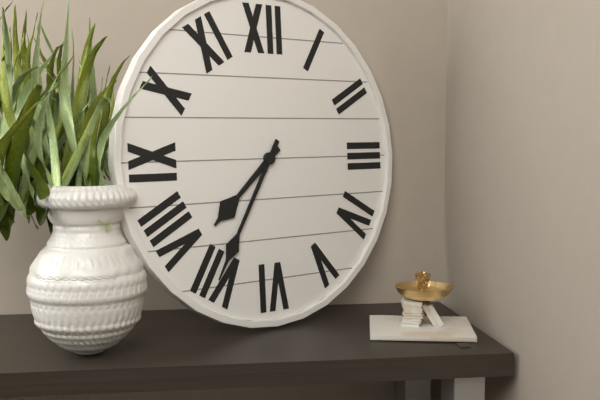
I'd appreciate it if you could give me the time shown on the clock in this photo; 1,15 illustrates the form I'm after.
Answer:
7,35
